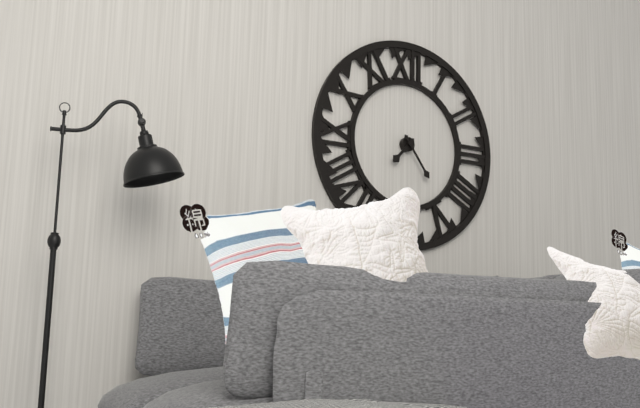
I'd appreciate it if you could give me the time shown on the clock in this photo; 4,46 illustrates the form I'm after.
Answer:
7,24
